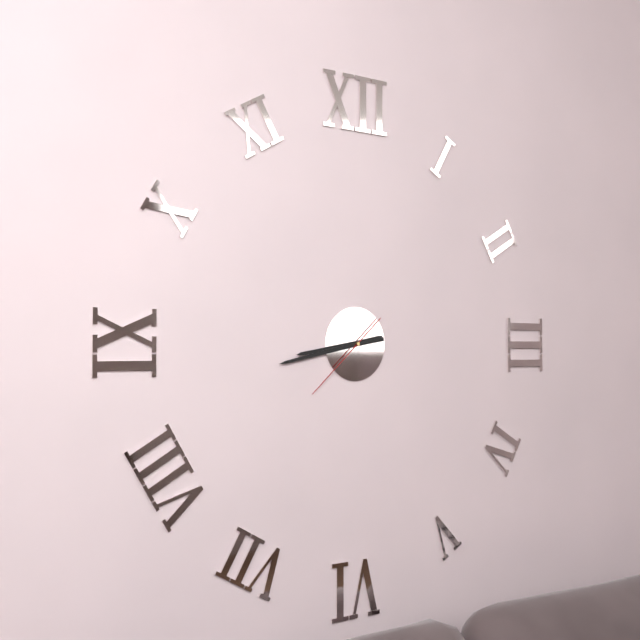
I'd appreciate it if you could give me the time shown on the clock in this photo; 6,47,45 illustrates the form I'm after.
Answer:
8,43,38
